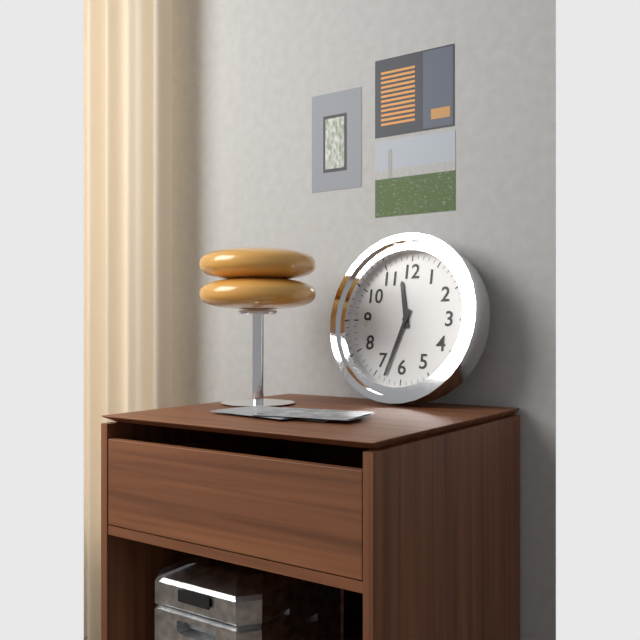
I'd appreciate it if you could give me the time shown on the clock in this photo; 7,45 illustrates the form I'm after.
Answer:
11,33
